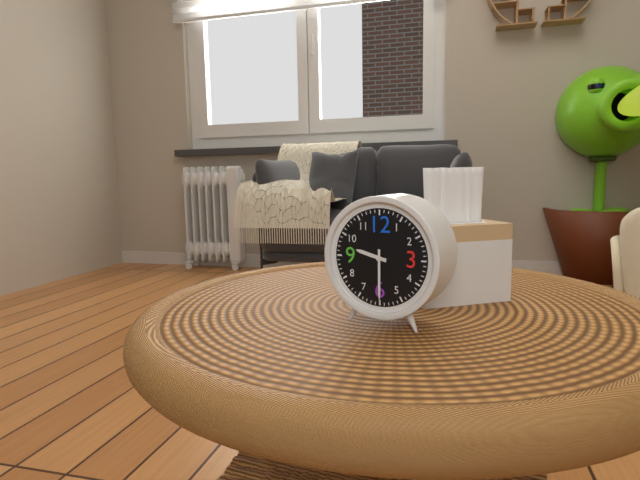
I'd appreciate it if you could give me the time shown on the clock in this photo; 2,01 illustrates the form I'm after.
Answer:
9,30
